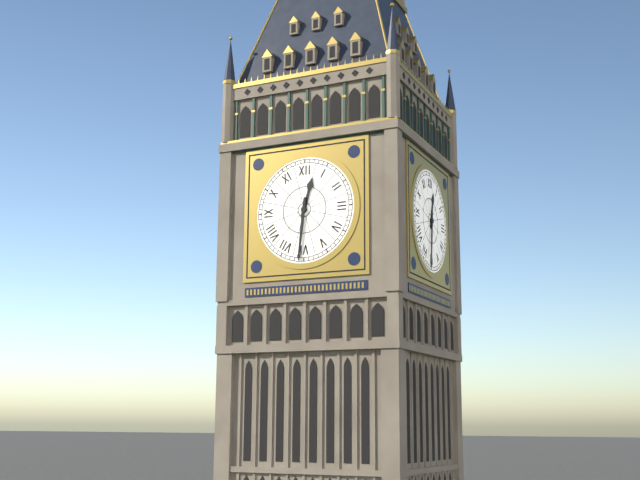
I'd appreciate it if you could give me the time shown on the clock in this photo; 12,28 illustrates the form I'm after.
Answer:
12,31
